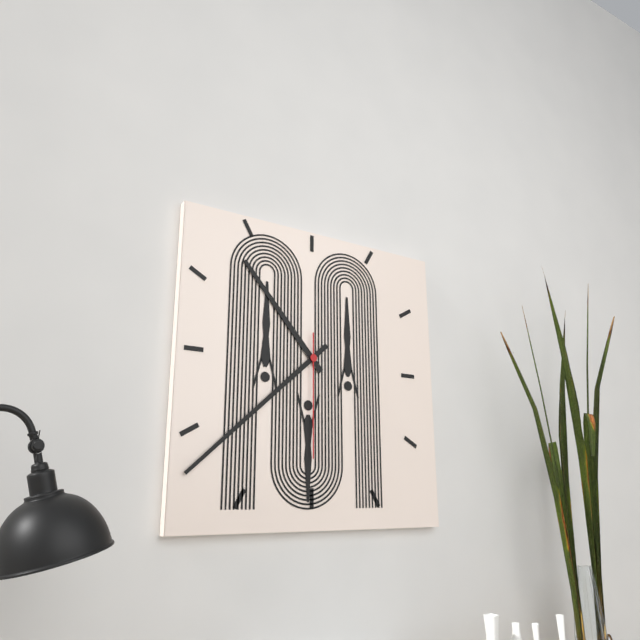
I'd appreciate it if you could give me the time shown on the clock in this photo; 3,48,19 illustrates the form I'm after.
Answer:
10,38,30
